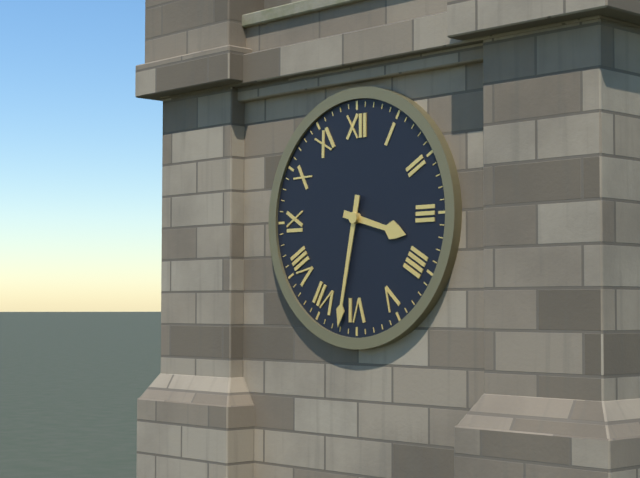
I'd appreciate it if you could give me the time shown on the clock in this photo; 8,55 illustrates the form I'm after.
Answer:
3,32
